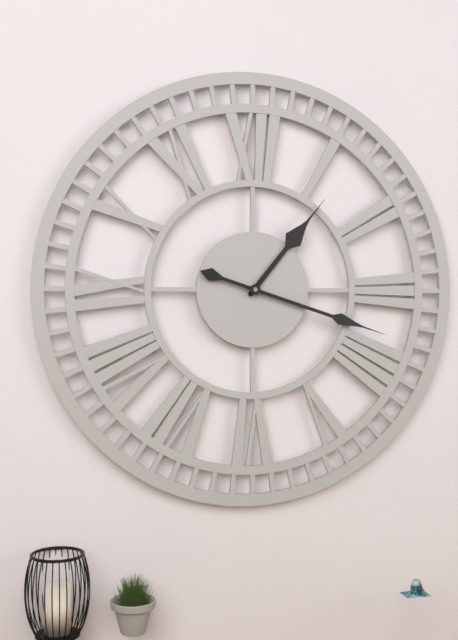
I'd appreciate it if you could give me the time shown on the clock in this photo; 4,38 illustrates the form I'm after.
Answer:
1,18
